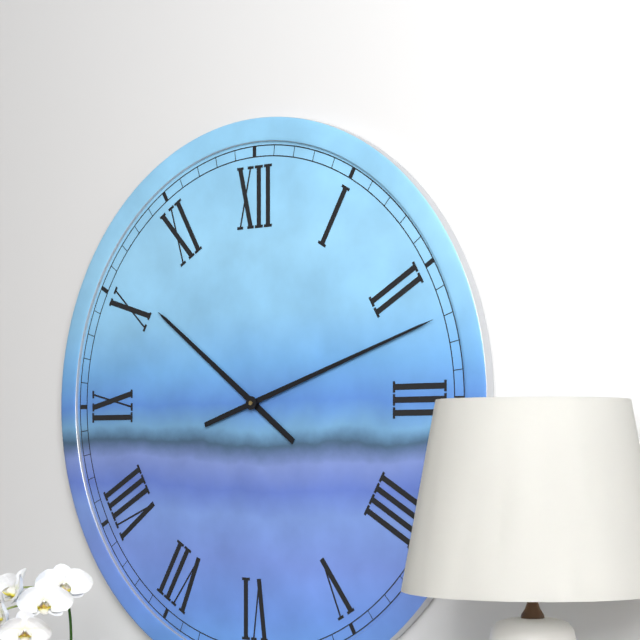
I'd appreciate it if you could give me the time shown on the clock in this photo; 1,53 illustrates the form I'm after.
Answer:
10,12
